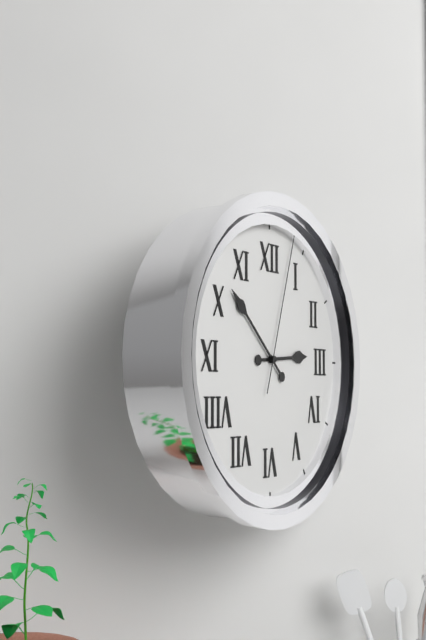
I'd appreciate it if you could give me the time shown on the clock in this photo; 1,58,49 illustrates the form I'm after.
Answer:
2,52,03
